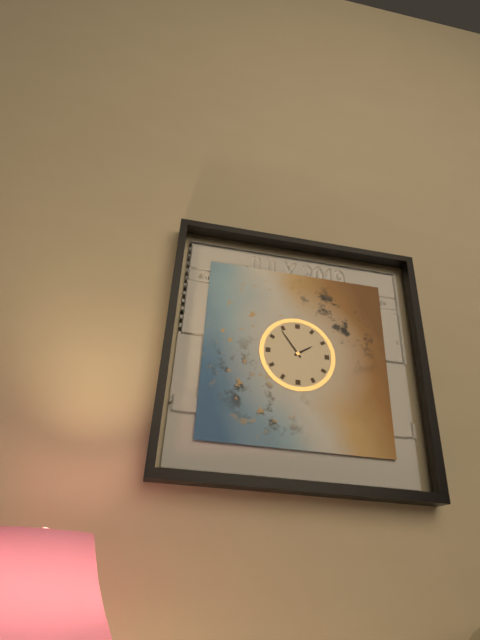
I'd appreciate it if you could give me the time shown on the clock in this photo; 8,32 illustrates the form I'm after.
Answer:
1,54
